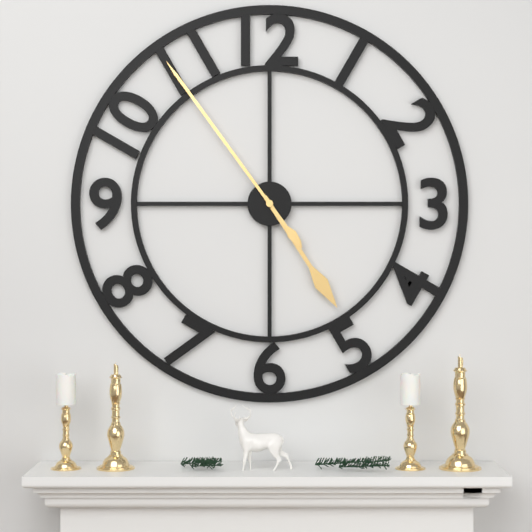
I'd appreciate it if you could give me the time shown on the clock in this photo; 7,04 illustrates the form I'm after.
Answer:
4,54
